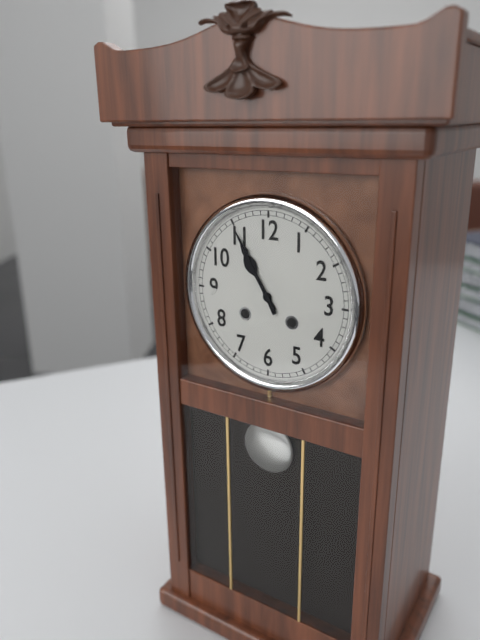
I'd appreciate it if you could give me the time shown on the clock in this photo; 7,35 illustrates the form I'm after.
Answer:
10,55
